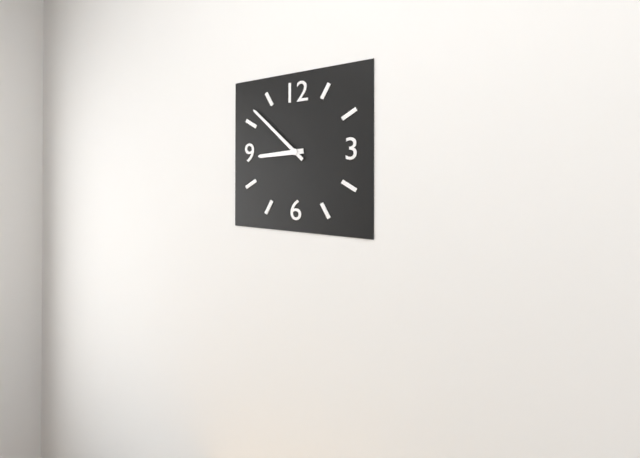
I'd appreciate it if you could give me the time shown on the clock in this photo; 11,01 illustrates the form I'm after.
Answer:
8,52
